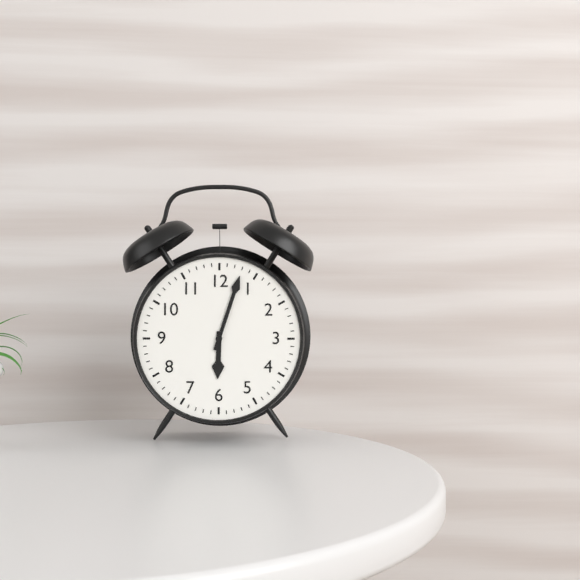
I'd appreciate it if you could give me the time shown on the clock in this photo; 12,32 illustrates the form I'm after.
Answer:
6,03
